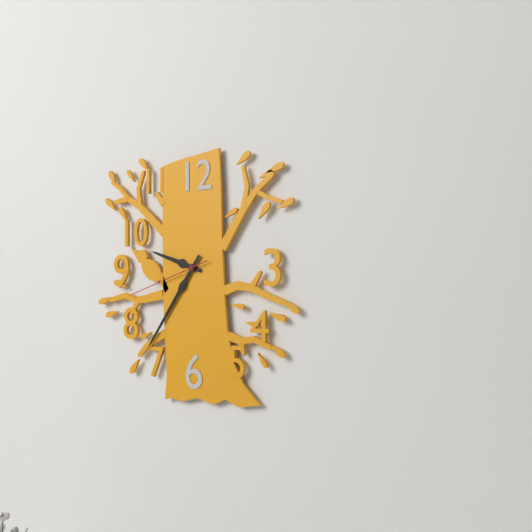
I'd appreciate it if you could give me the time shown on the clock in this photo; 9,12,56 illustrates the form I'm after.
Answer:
9,36,42
